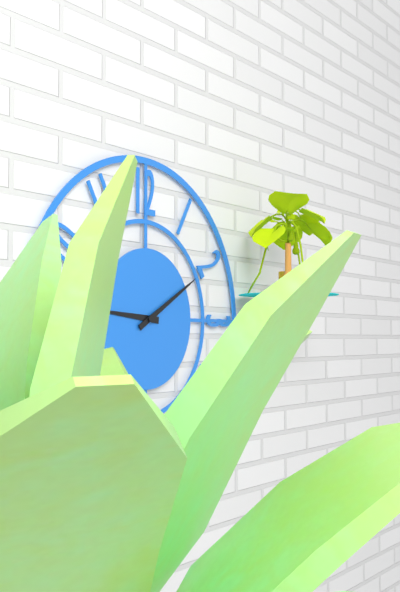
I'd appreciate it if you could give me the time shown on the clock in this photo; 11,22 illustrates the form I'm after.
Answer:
9,10
